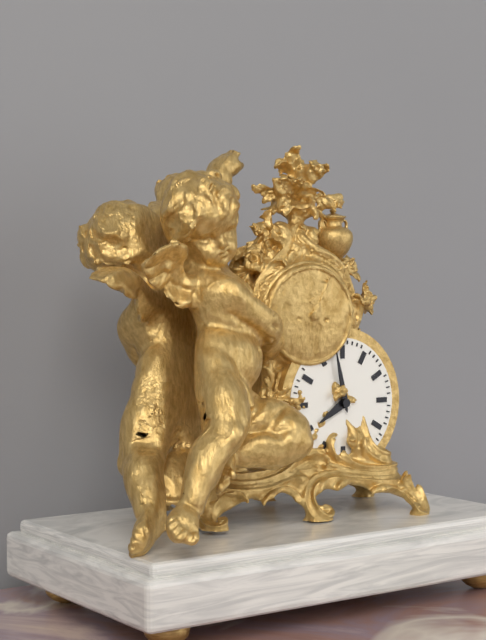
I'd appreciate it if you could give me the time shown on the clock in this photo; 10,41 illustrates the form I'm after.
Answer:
7,58
